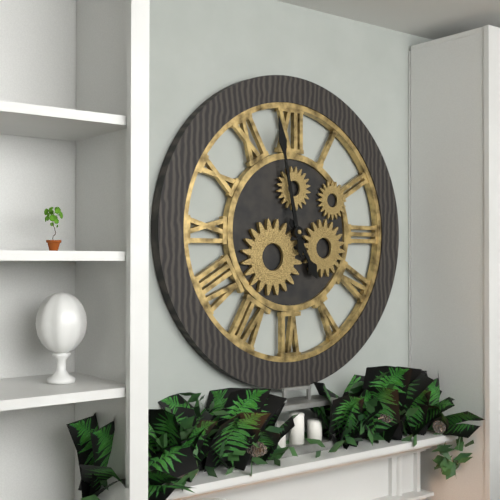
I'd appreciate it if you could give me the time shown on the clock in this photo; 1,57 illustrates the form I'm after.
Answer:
4,58
